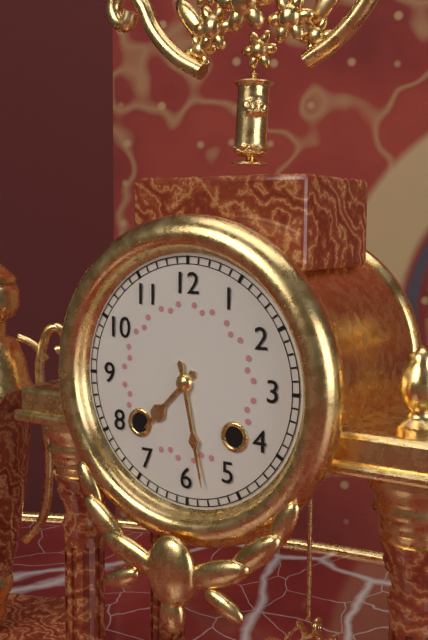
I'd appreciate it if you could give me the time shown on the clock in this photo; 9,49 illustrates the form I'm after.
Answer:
7,28
